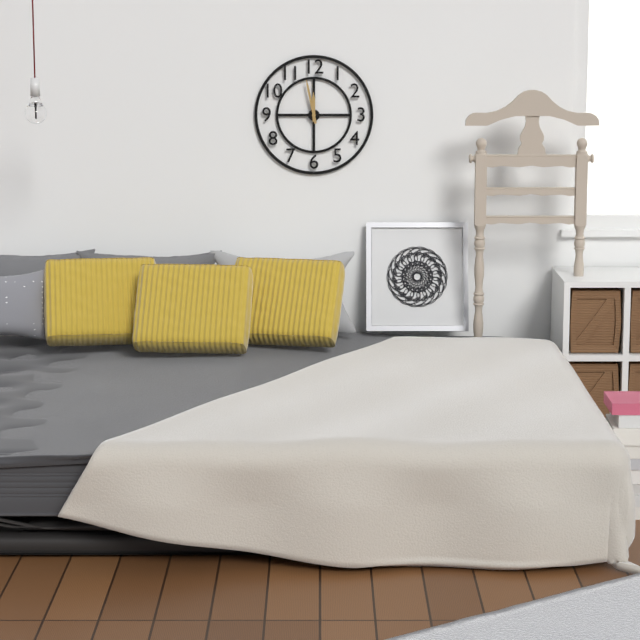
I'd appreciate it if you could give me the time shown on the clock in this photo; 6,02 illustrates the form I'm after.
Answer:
11,58
